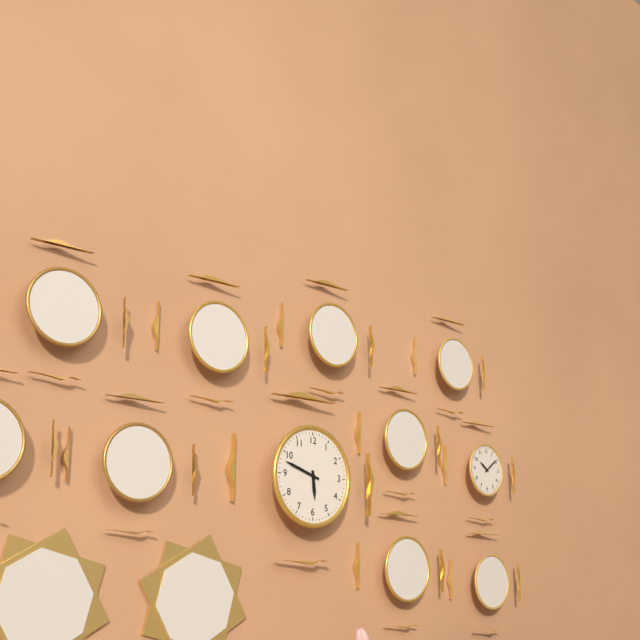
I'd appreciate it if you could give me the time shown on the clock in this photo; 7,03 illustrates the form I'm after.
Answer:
5,48
